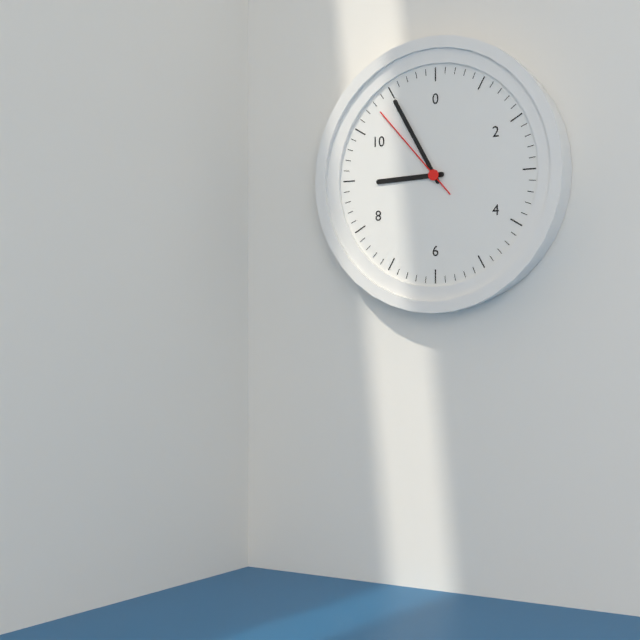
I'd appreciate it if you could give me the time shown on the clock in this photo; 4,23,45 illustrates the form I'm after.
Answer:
8,55,53
